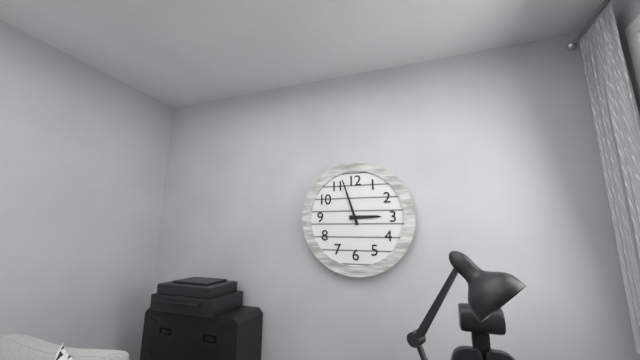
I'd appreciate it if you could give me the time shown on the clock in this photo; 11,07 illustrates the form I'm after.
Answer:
2,57
